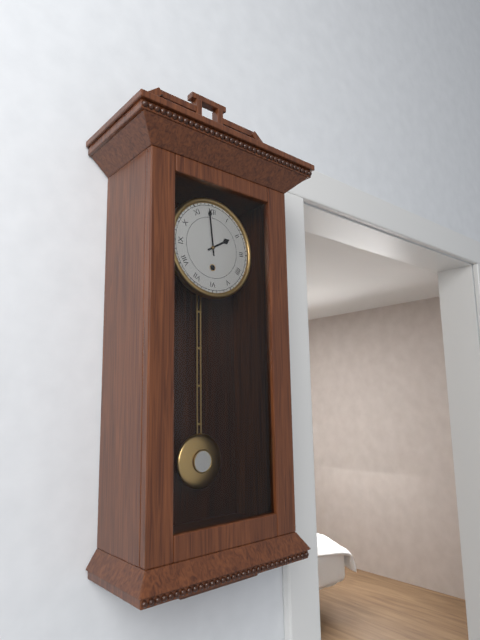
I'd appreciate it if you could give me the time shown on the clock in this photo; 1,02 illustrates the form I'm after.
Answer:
1,59
